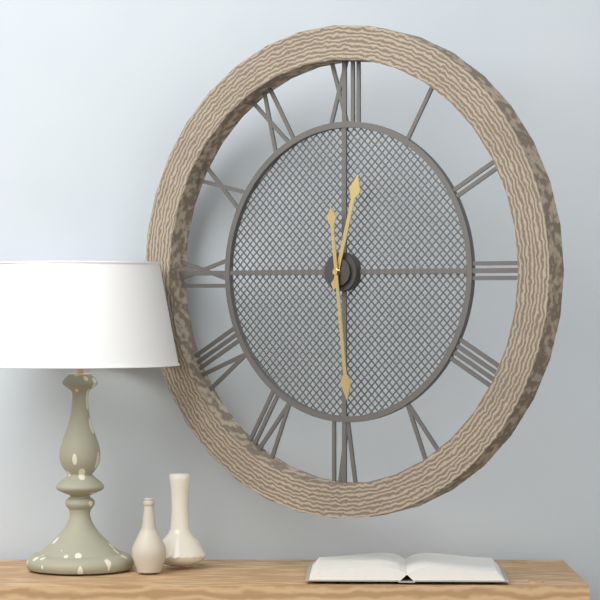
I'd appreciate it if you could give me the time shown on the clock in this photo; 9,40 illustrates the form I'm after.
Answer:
12,29
